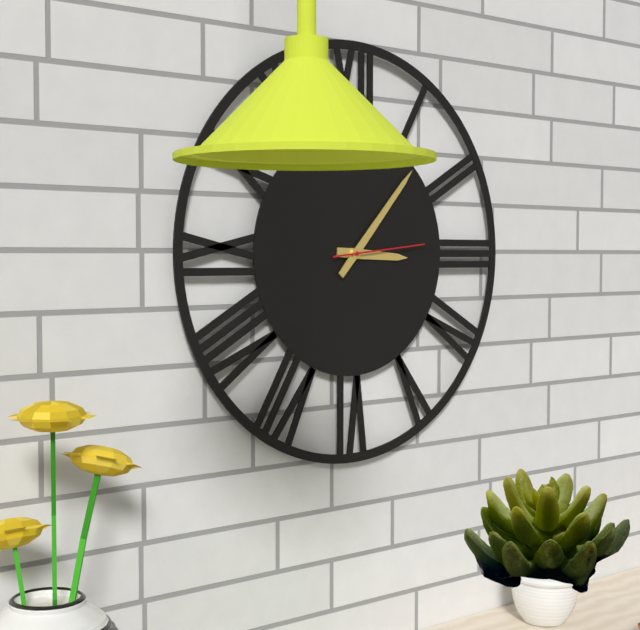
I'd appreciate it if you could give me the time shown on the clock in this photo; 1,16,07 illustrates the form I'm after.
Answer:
3,07,14
